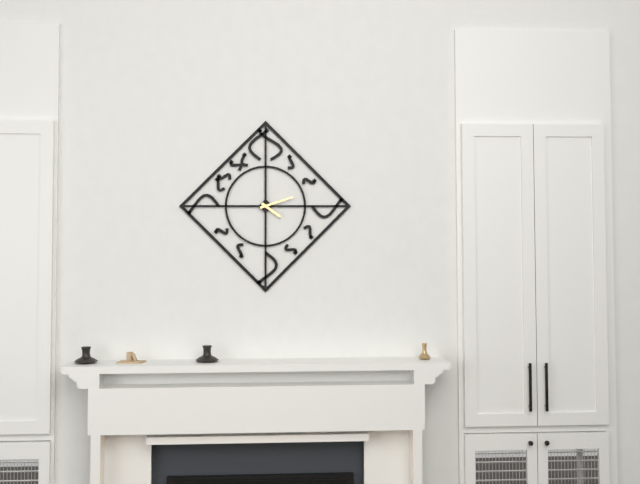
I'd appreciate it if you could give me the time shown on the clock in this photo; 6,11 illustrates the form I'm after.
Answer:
4,12
